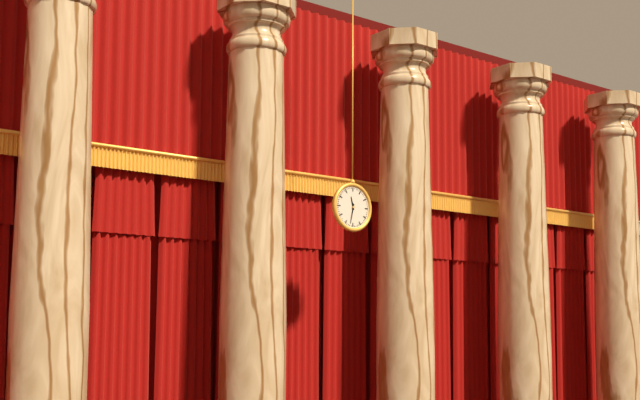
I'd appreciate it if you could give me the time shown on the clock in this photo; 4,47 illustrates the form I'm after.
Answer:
11,32
